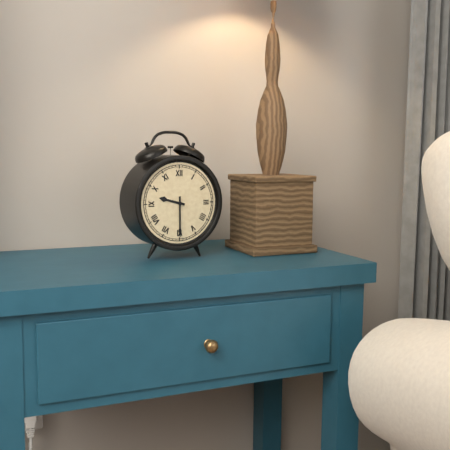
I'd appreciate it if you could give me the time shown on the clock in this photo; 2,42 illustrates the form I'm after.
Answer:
9,30
